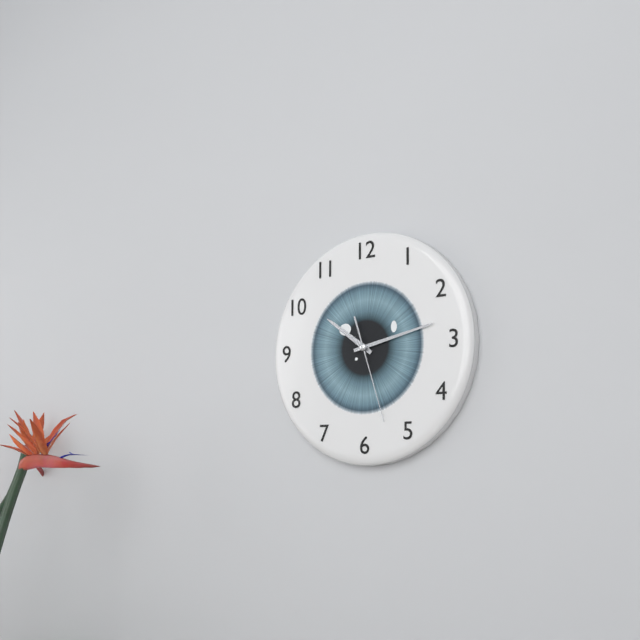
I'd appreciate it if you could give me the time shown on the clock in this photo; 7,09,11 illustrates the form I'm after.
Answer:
10,13,27
